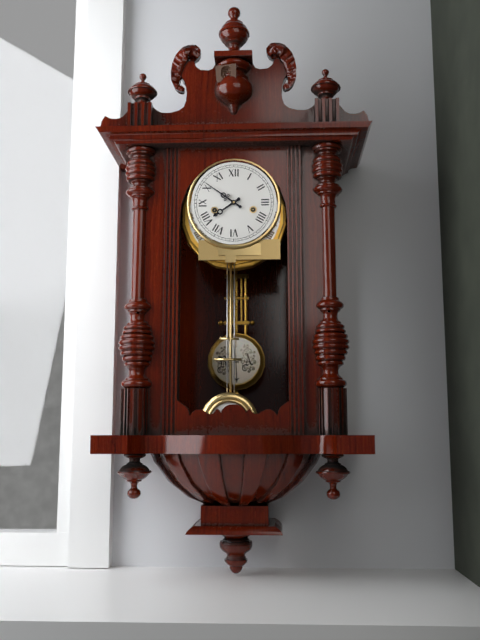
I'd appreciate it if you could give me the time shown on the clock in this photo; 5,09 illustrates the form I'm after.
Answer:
7,51
